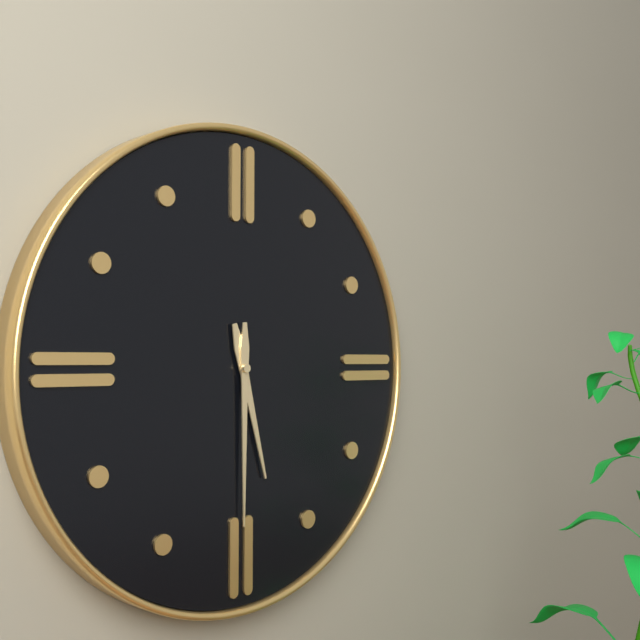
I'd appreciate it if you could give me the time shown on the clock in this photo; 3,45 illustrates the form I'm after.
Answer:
5,30
